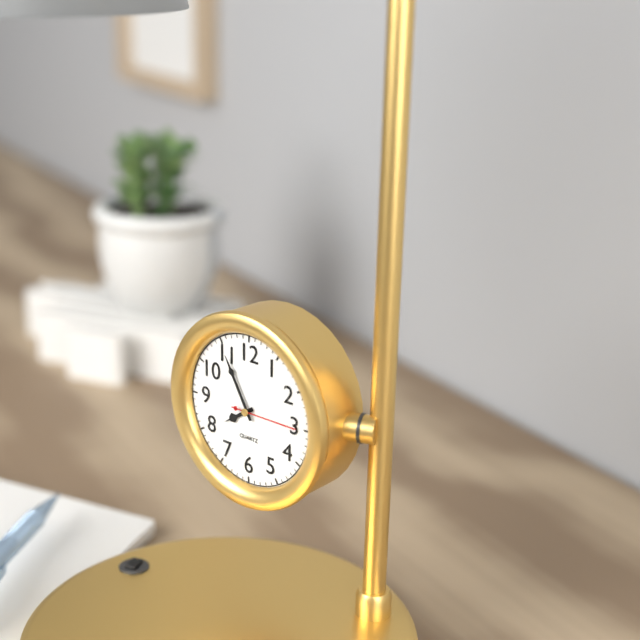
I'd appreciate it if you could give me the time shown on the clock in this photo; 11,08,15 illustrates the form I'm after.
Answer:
7,55,15
